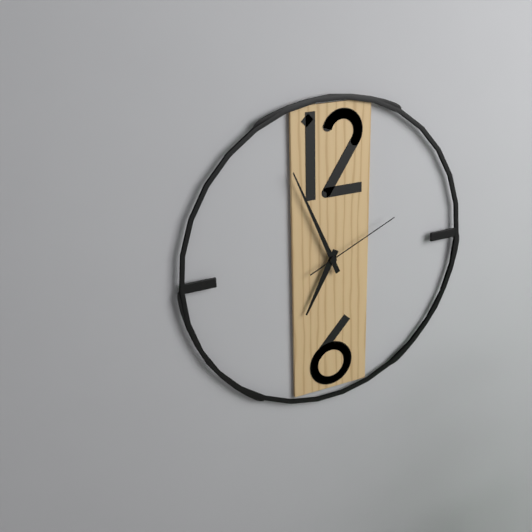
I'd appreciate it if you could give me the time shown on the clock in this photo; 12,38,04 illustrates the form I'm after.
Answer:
6,56,11
